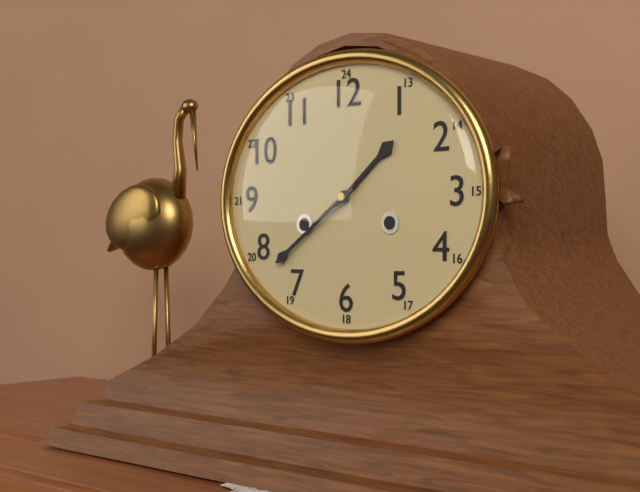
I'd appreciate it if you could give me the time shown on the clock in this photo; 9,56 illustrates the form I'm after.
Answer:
1,39
